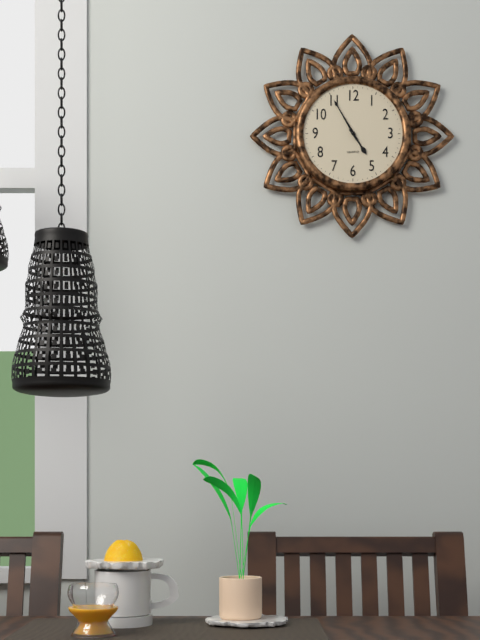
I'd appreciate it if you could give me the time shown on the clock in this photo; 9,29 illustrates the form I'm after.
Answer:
4,55
